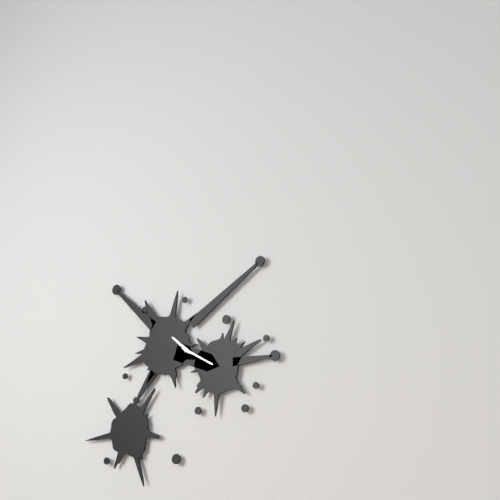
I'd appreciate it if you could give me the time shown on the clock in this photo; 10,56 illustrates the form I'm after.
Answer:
10,20
